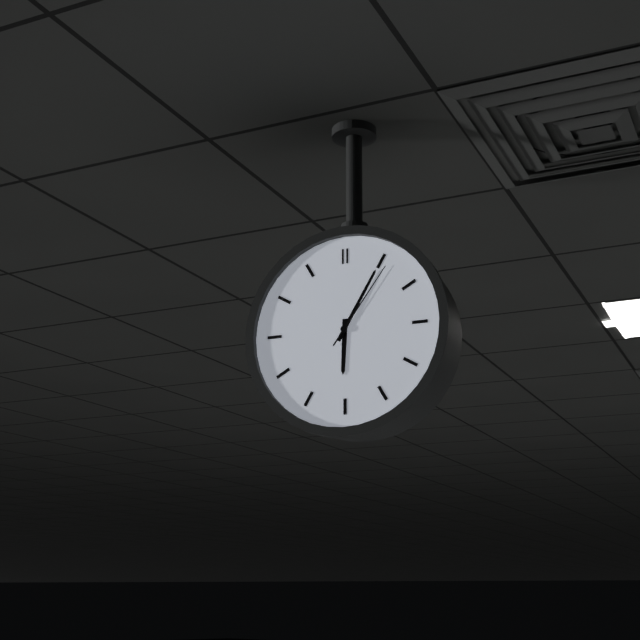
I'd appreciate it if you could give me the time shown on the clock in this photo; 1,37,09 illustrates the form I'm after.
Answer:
6,05,06
